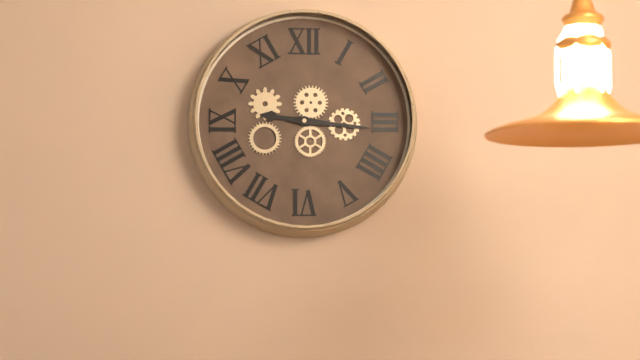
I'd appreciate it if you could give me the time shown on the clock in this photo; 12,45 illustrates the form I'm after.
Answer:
9,16
